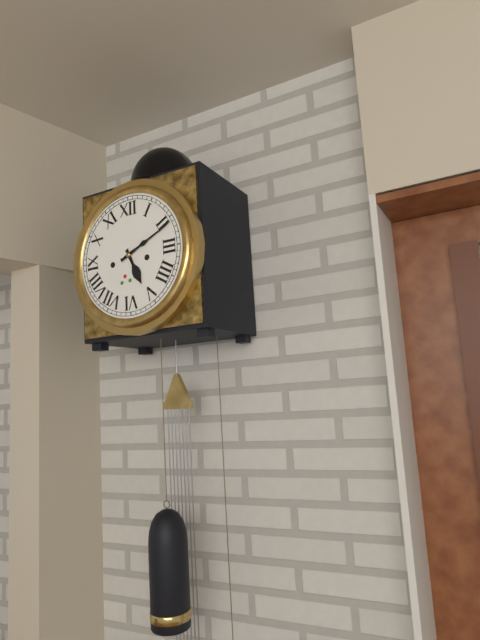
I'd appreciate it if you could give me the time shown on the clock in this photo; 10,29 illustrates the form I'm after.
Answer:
5,11
